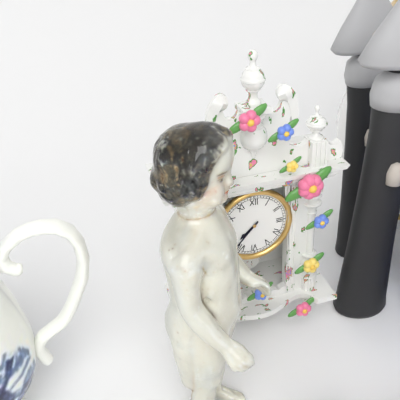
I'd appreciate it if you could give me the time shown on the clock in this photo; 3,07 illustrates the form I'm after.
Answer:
7,37
